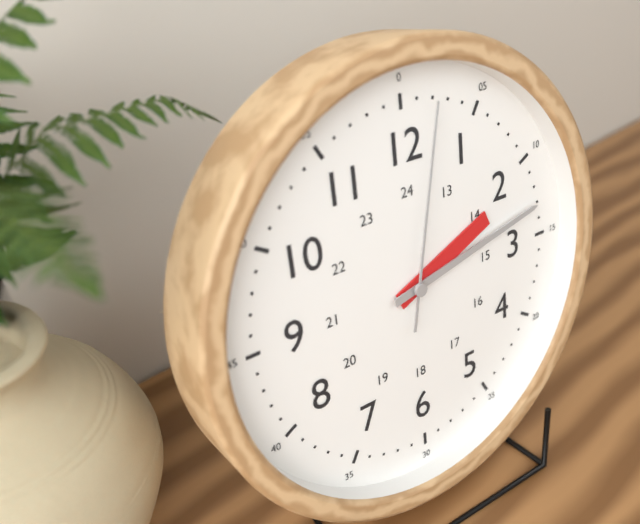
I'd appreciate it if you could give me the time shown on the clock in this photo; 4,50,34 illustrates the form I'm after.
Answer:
2,13,02
